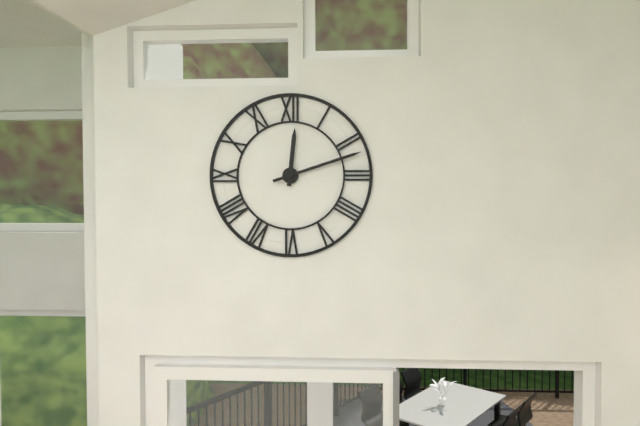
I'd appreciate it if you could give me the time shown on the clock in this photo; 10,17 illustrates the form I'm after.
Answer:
12,12
